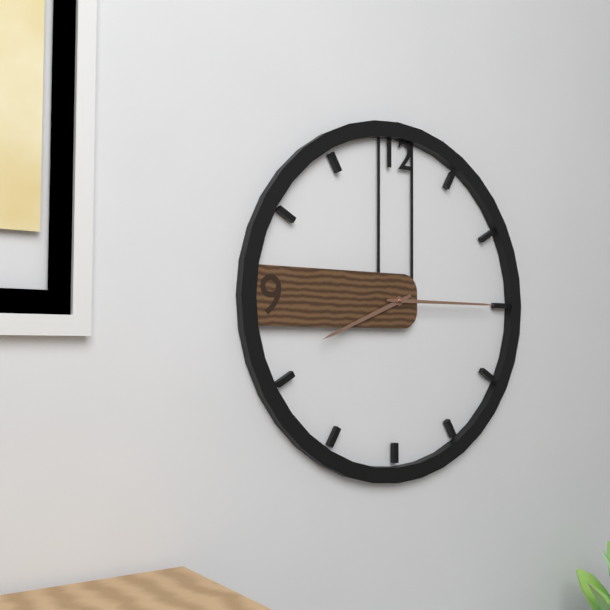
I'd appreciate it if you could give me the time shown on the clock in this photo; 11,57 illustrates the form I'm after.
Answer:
8,15
